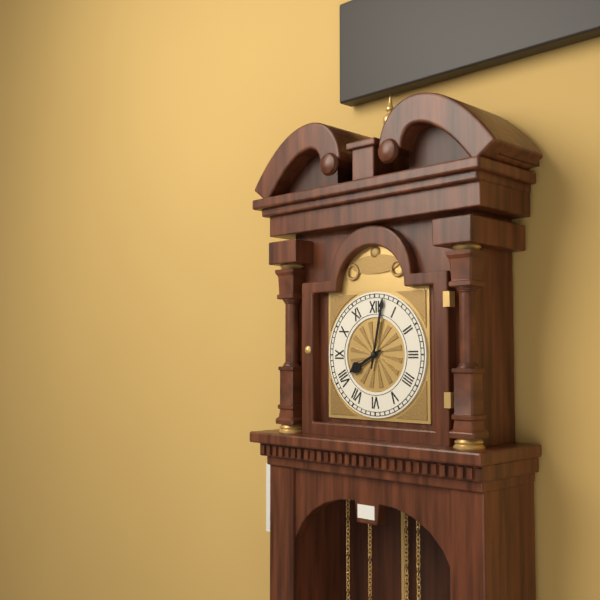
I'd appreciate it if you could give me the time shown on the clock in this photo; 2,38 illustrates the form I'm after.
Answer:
8,02
